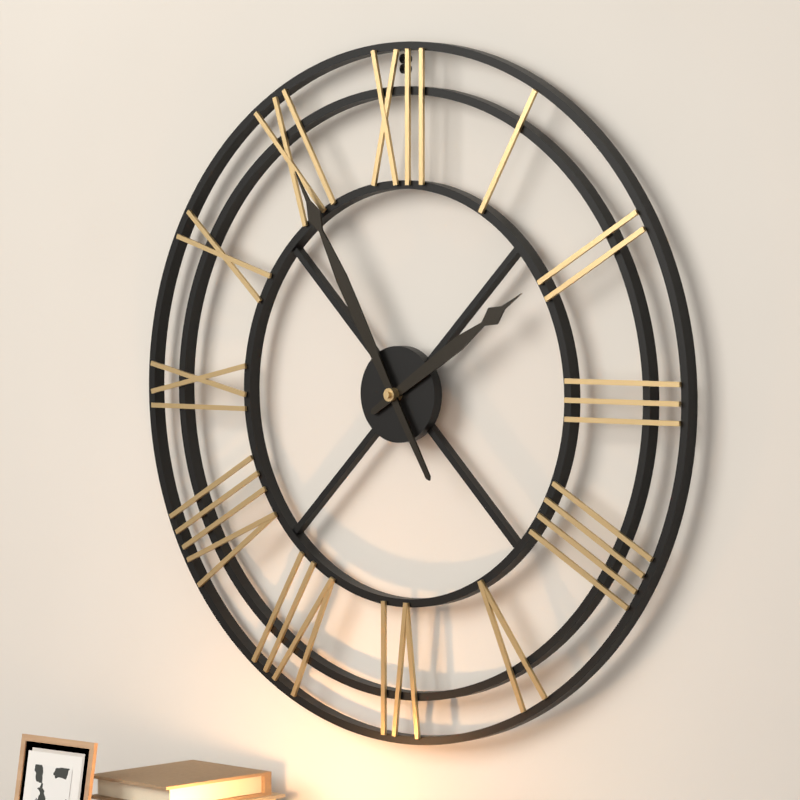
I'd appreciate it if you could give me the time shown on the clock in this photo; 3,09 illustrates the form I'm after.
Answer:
1,55
